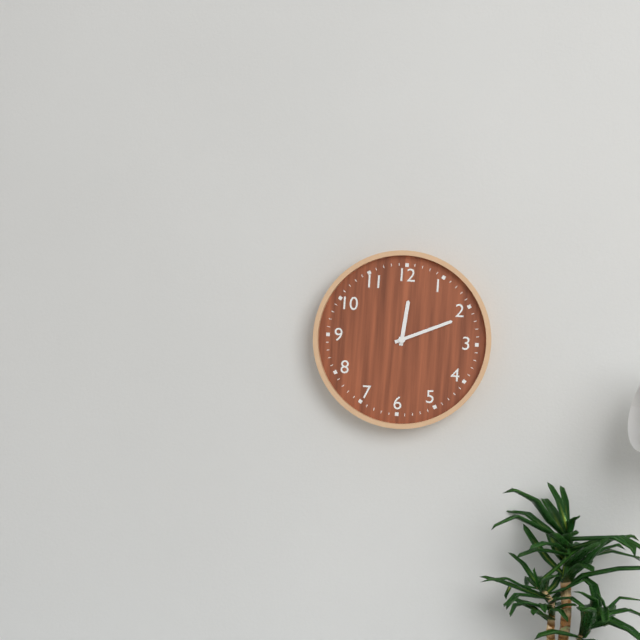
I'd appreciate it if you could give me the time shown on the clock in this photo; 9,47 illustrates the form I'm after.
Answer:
12,11
